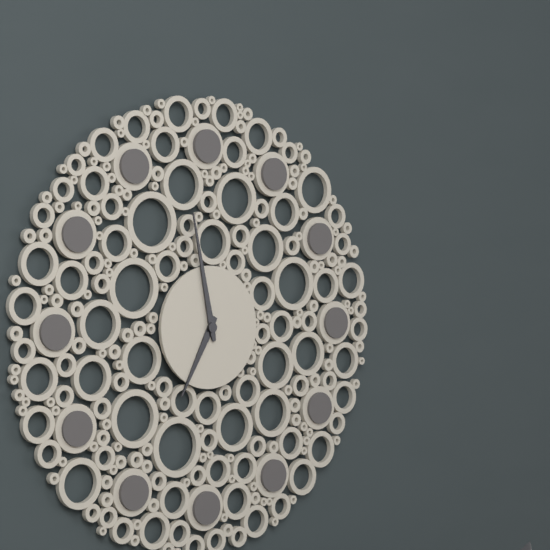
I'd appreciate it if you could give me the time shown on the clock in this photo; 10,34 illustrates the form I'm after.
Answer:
6,58
